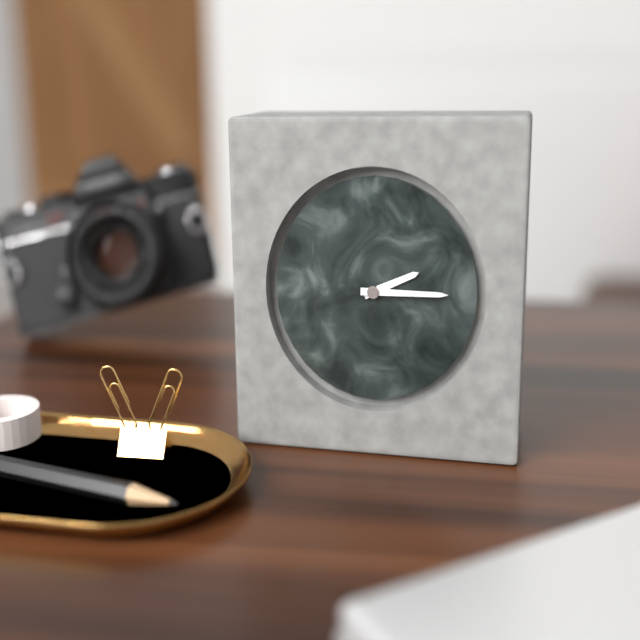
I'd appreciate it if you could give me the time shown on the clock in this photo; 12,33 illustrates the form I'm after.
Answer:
2,15
